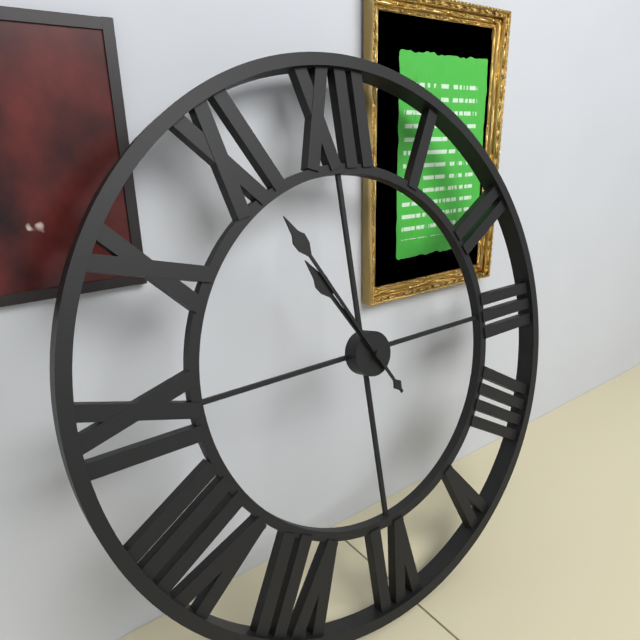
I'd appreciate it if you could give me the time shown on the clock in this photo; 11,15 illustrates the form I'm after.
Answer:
10,55
